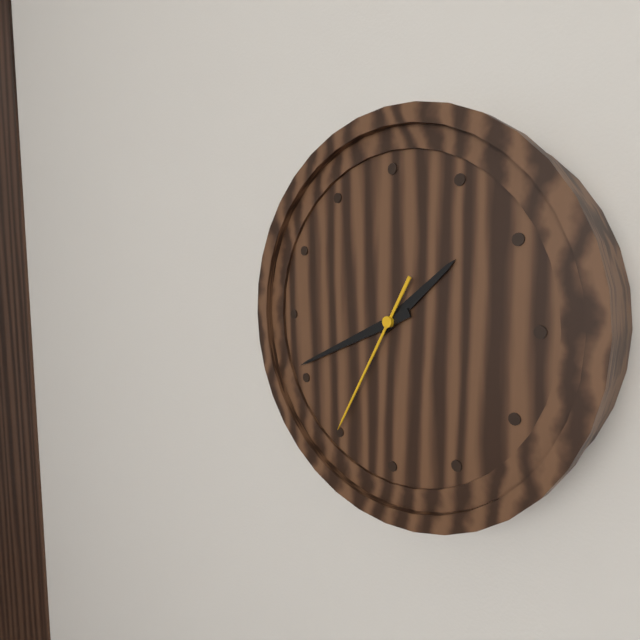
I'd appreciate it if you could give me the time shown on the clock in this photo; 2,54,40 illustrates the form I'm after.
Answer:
1,41,35
